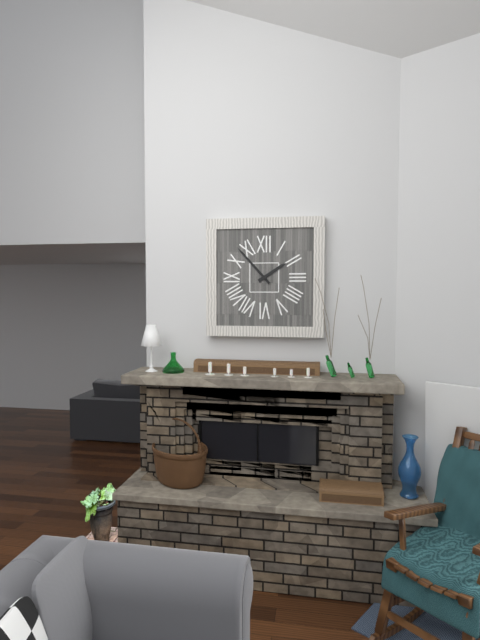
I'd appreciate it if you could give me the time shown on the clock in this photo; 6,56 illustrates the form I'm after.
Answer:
1,53
